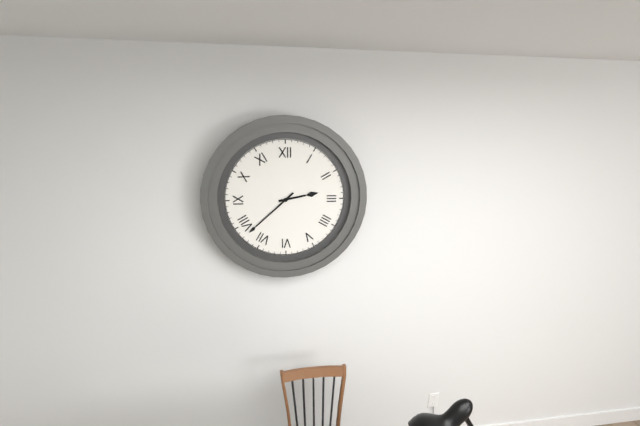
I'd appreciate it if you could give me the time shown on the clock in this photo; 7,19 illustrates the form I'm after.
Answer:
2,38
